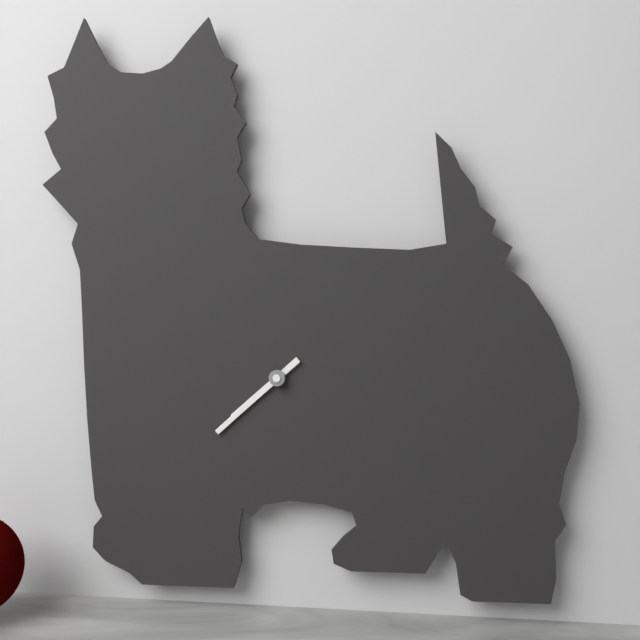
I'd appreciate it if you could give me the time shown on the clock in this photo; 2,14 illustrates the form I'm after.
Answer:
7,38
